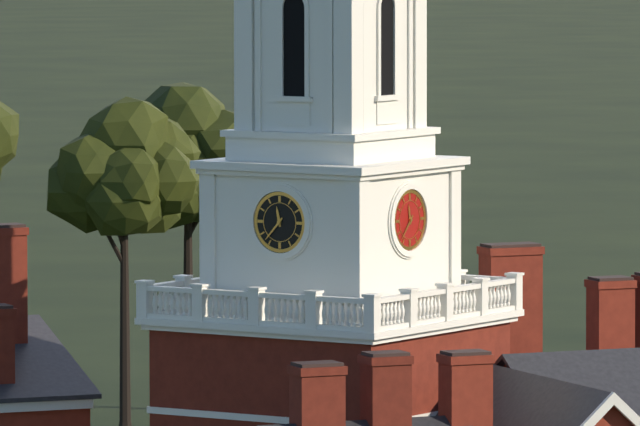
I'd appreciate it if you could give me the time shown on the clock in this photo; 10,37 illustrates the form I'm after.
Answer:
11,37
